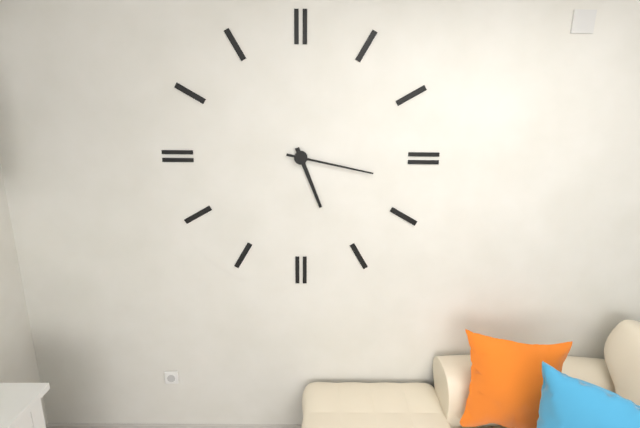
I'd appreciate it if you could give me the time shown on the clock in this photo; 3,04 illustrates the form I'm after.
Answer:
5,17
